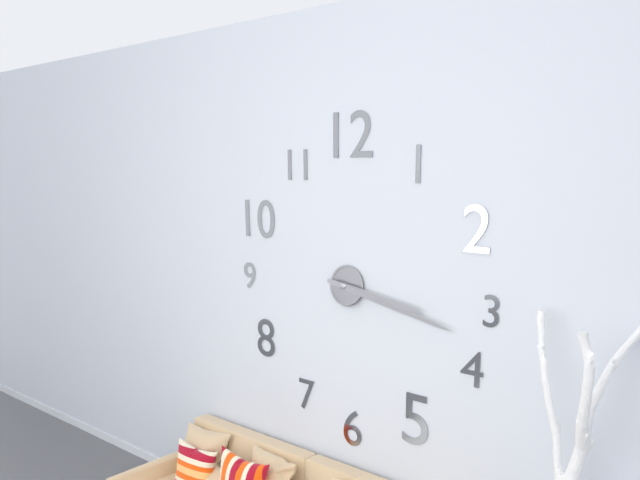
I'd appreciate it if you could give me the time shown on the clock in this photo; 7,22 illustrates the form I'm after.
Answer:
3,17
